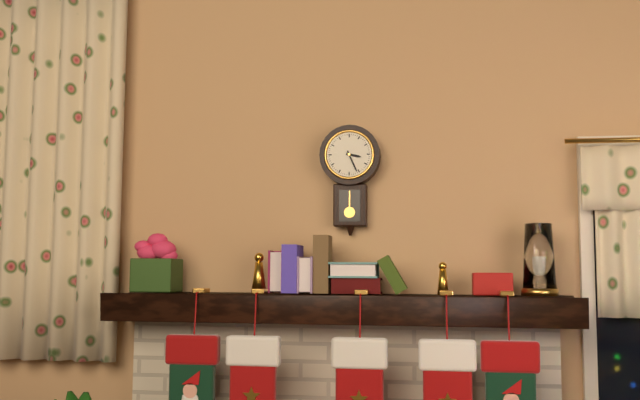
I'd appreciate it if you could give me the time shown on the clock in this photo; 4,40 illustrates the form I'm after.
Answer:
3,26
